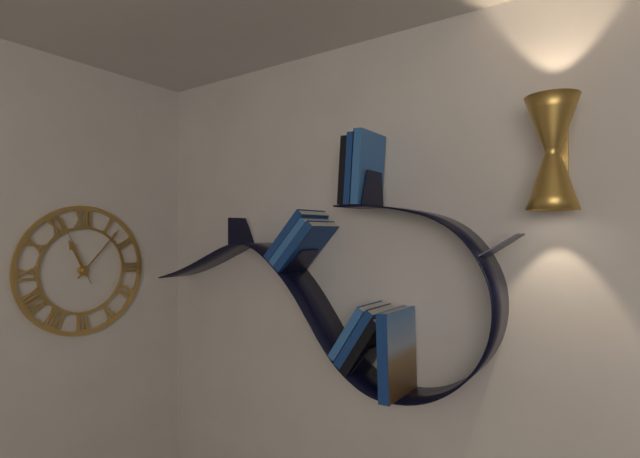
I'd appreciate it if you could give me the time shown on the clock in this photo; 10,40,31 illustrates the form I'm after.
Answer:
11,07,56
